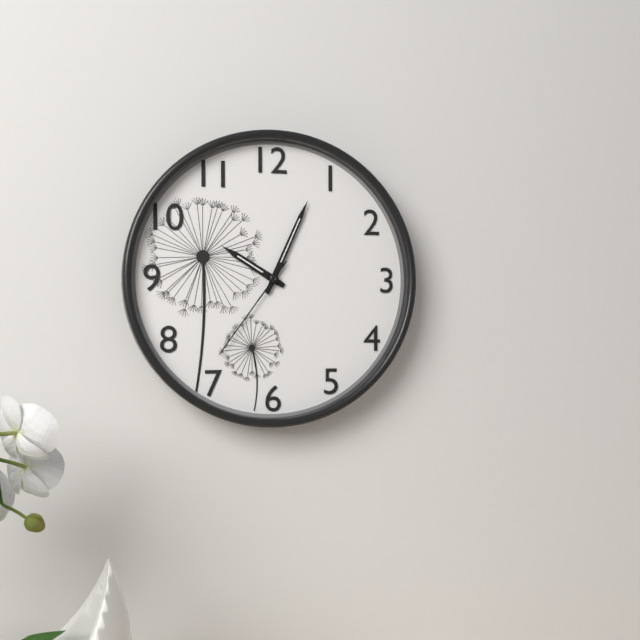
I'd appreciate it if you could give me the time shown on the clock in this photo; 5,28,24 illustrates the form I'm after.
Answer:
10,04,36
